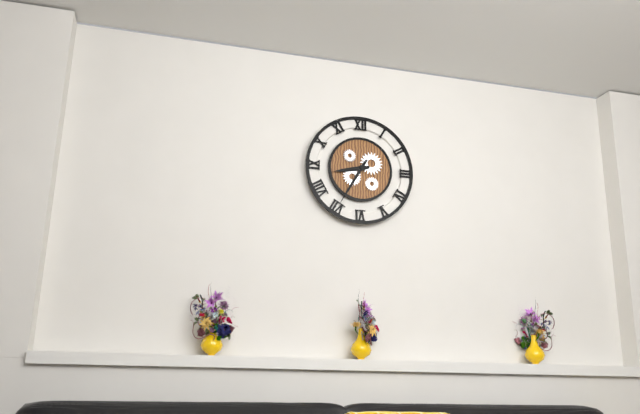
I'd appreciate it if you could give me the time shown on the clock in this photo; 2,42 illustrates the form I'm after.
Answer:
8,35
